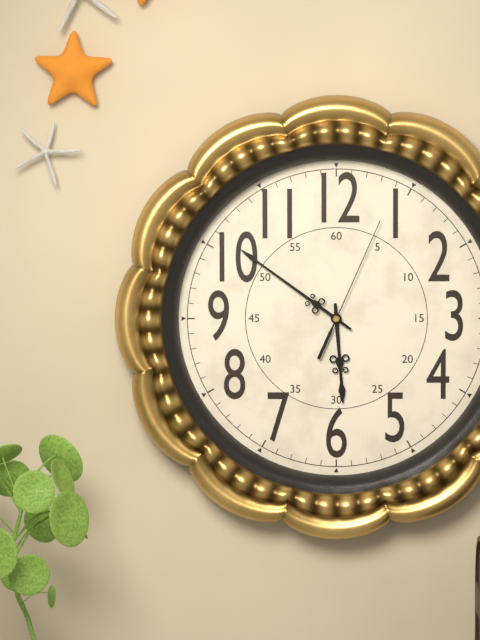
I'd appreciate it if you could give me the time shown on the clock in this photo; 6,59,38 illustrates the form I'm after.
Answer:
5,51,04
